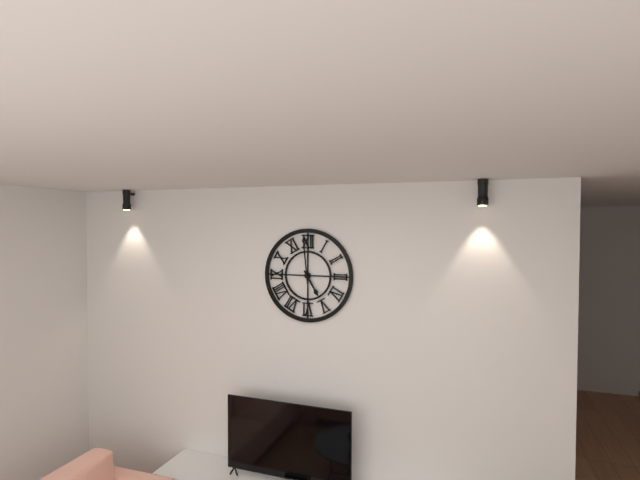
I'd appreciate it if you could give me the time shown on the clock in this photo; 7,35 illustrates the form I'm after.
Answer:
4,59
